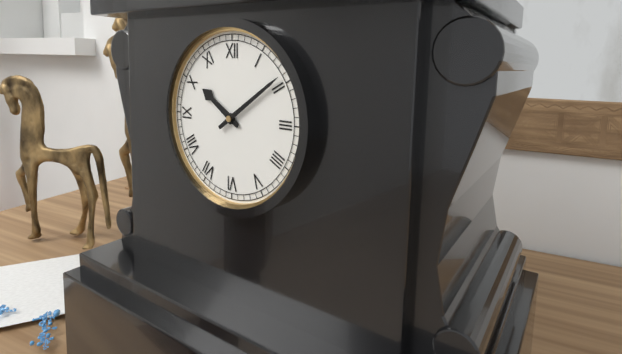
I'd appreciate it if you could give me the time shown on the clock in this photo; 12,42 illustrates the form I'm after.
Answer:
10,09
